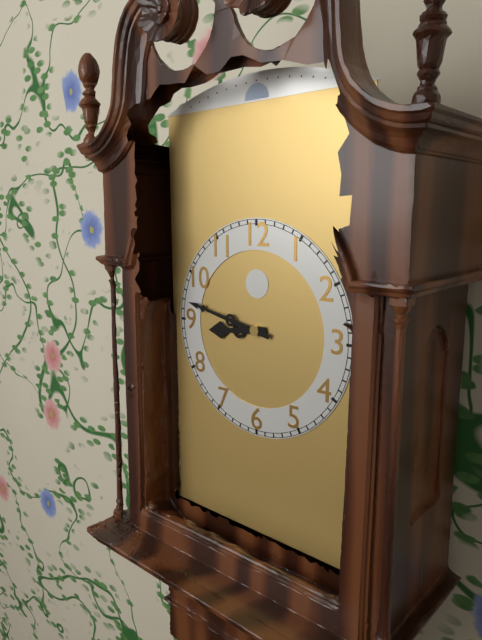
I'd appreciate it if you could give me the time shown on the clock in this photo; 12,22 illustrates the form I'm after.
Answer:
8,47
